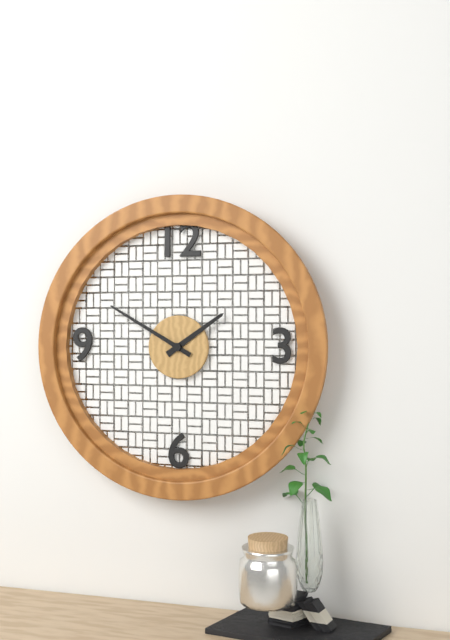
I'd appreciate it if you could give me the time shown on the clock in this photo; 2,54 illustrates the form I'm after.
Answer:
1,50
